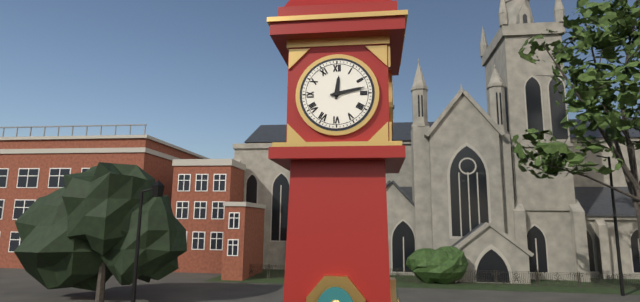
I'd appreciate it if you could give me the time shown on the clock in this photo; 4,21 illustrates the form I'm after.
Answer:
12,13
